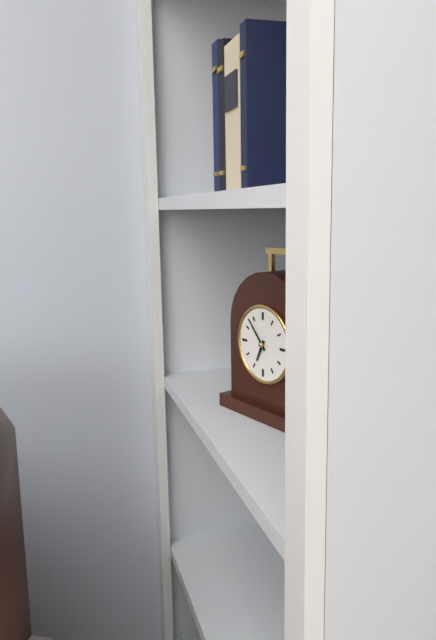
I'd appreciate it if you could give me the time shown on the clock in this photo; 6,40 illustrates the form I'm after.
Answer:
6,53
